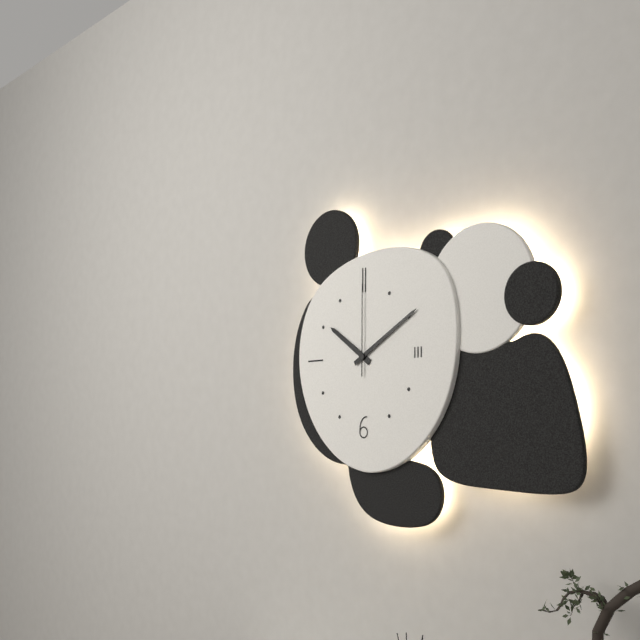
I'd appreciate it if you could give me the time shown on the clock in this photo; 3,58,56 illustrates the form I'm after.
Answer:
10,10,00
